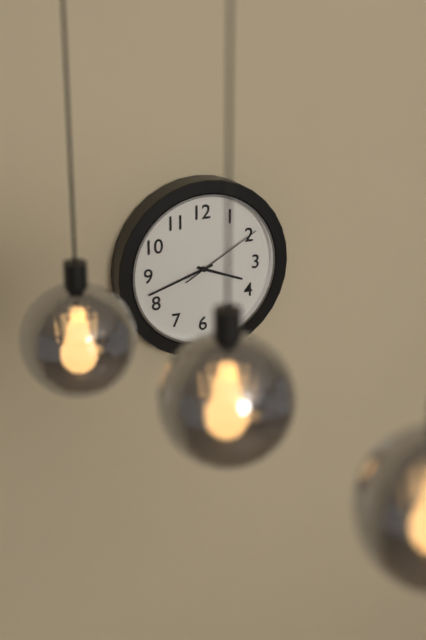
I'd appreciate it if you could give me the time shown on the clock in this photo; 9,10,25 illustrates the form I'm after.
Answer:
3,42,10
